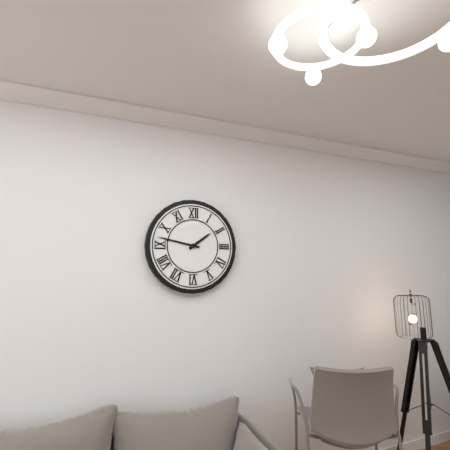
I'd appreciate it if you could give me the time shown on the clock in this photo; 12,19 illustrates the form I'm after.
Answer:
1,47
